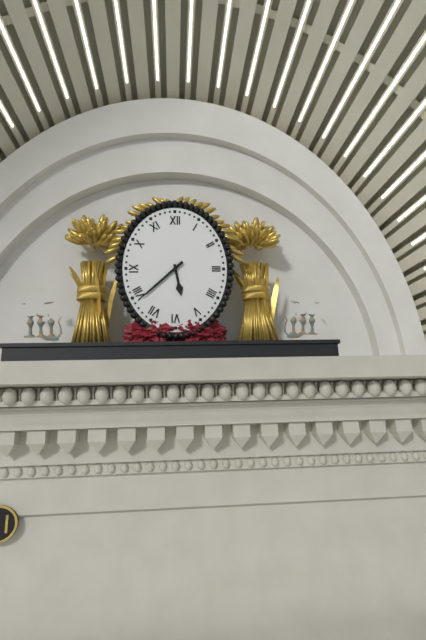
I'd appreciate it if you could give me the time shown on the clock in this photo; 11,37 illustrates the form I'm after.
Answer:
5,38
